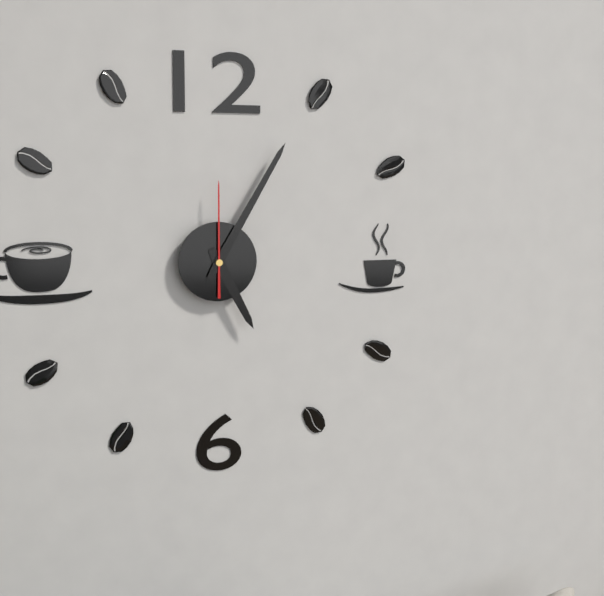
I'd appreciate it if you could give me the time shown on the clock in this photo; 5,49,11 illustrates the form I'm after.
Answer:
5,05,00
